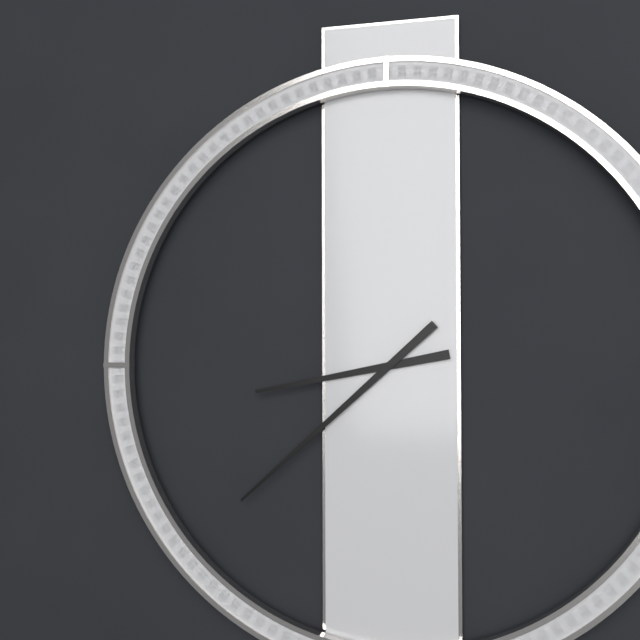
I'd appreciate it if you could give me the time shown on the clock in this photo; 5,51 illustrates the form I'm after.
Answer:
8,38
